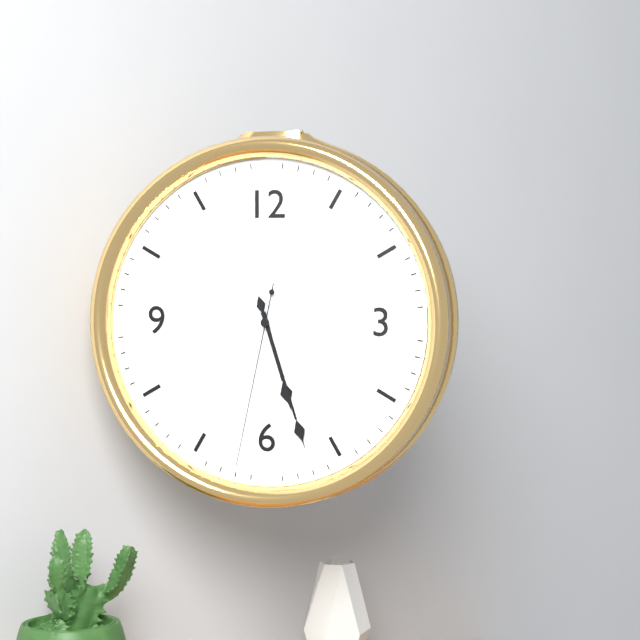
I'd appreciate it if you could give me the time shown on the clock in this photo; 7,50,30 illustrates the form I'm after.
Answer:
5,27,32
